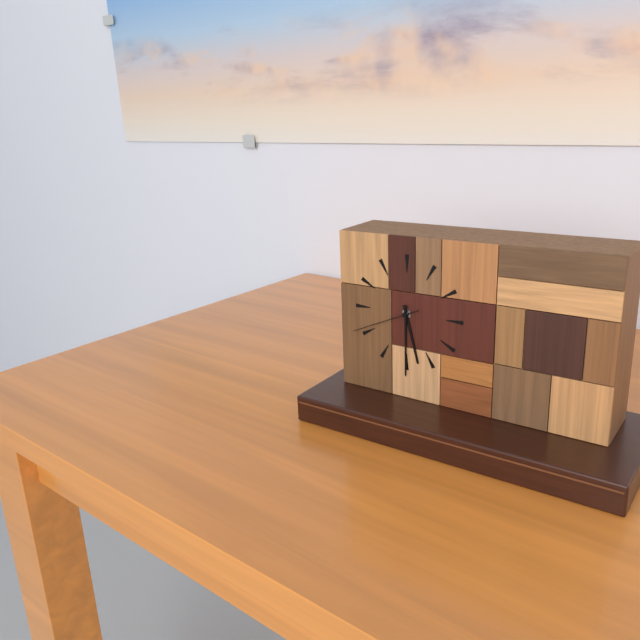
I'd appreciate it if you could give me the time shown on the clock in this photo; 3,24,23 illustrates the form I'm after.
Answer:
5,30,41
